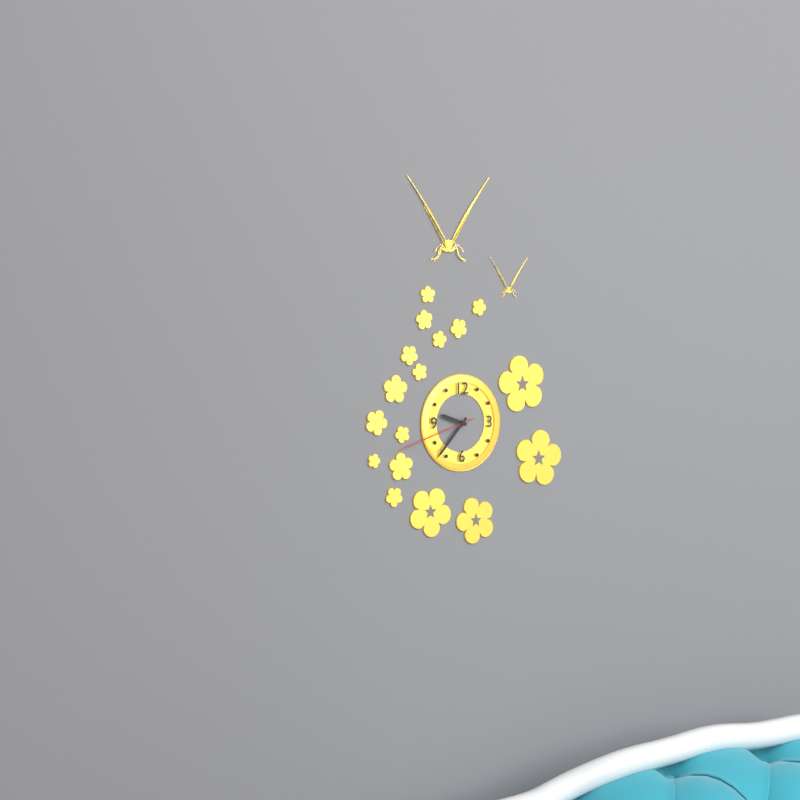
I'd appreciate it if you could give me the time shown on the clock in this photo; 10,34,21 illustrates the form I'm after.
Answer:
9,37,42
